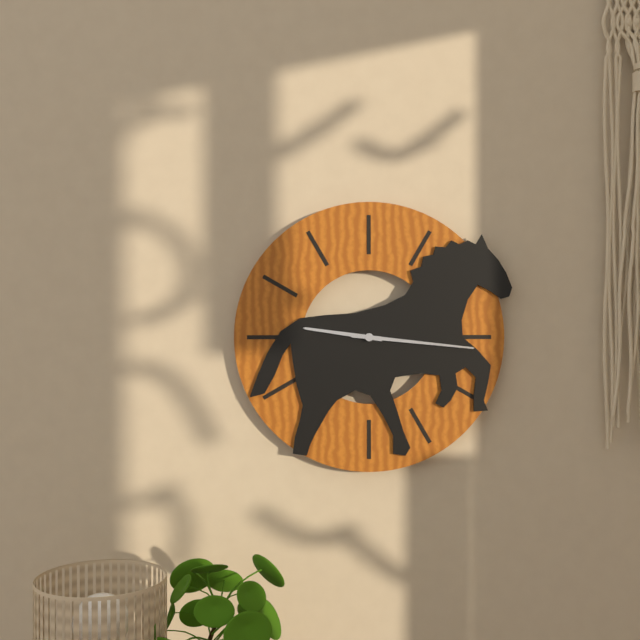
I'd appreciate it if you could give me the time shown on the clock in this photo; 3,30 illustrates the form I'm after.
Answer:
9,16
